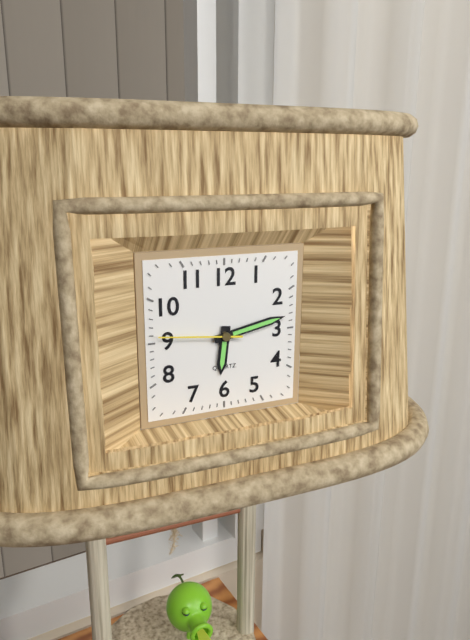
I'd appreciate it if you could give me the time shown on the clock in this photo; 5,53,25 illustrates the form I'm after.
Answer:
6,13,46
